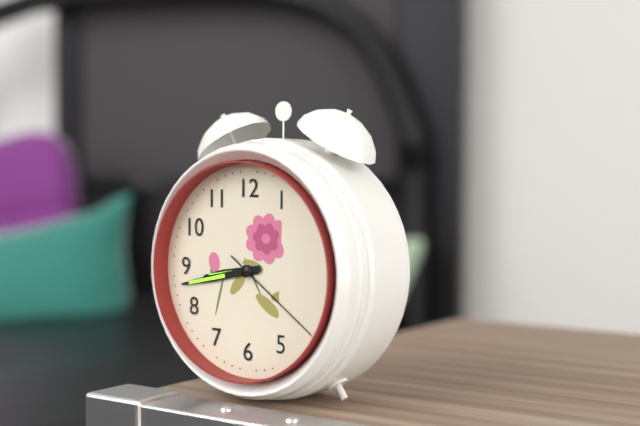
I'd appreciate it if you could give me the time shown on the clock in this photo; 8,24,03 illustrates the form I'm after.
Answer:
8,43,21
